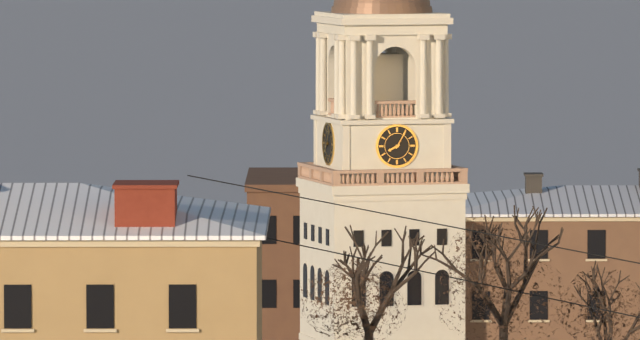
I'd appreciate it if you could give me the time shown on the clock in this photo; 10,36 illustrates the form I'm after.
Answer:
8,05
